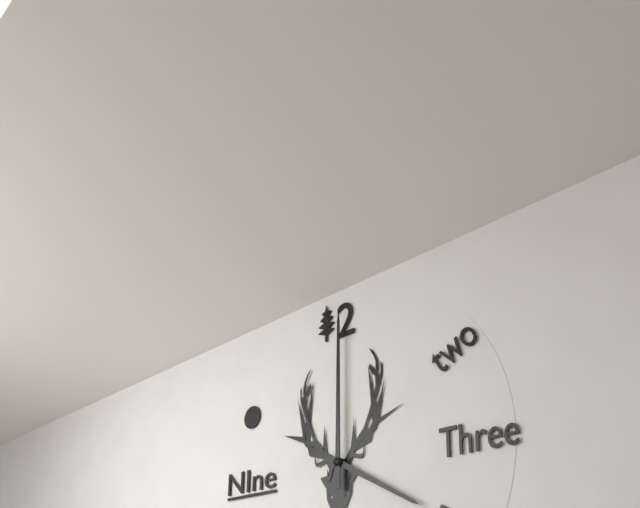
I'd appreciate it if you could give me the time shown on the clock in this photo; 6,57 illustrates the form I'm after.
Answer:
4,00
